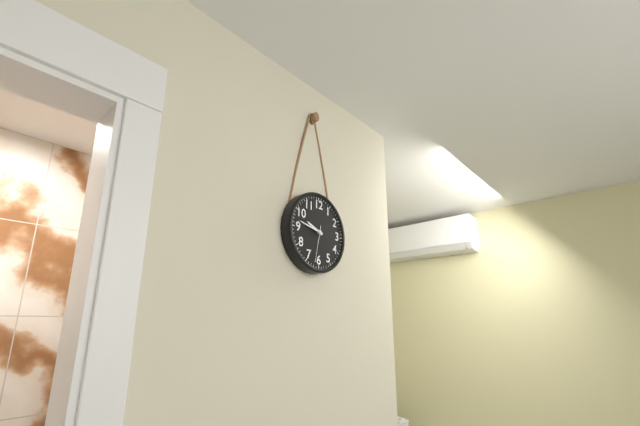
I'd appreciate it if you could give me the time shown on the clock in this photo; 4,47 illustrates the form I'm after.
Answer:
9,47
